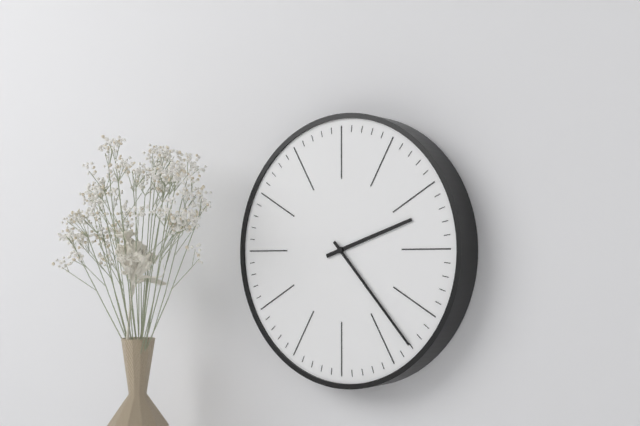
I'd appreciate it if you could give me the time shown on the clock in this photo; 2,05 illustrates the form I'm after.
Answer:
2,23
